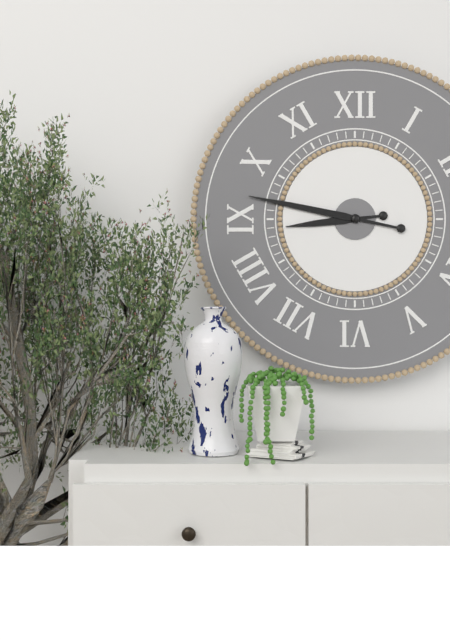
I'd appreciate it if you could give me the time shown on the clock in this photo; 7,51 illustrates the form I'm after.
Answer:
8,47
